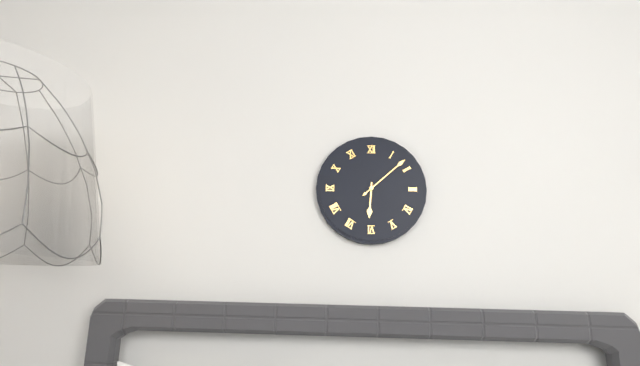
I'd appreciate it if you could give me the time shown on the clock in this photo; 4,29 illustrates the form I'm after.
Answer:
6,08
